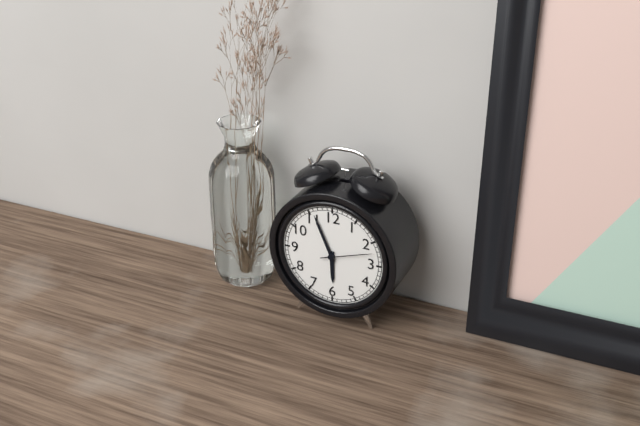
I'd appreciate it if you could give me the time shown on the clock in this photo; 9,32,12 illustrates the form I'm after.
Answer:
5,56,12
